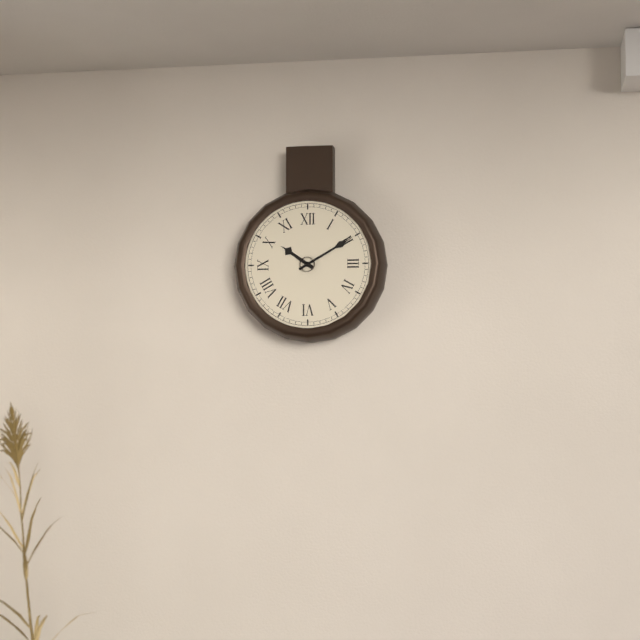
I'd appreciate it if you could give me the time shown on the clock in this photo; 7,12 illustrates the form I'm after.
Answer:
10,10
